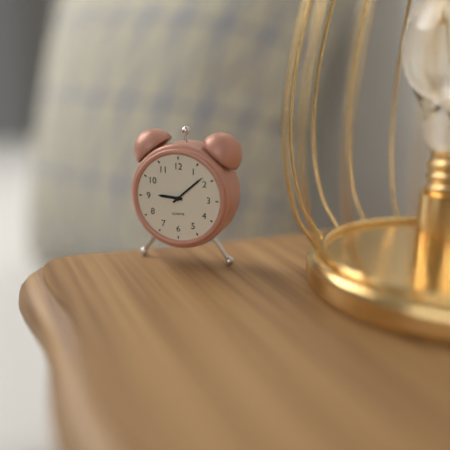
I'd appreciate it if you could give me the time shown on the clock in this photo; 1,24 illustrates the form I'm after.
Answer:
9,08
